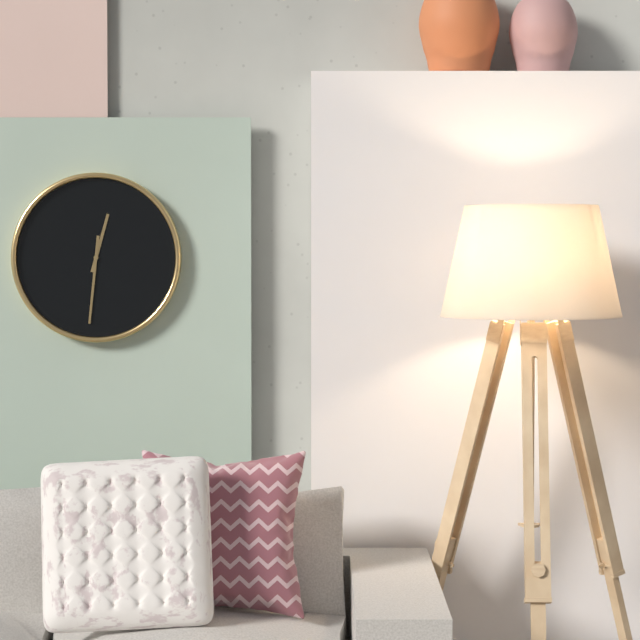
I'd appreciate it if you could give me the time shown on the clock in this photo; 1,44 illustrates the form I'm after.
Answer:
12,31
